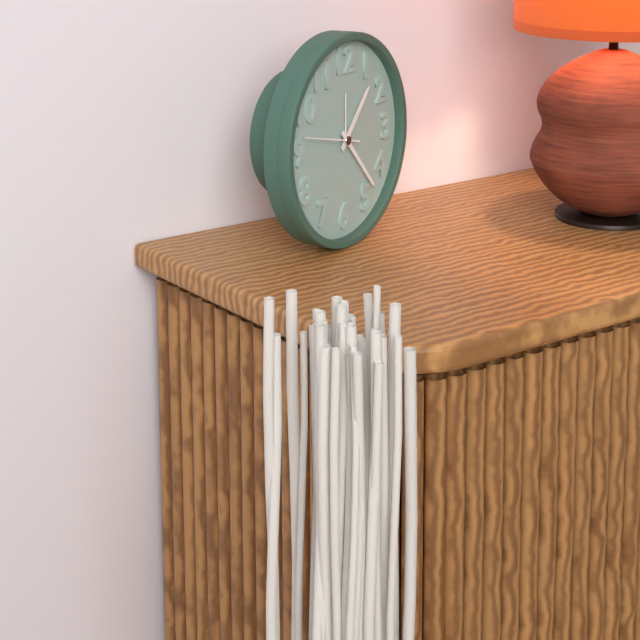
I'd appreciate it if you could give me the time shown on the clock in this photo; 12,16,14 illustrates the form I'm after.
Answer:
1,23,47
